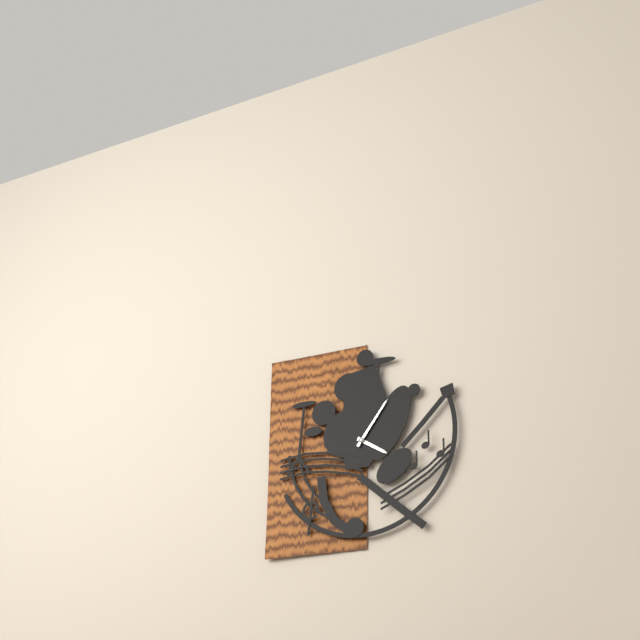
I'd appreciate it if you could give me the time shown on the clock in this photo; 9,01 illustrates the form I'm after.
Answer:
4,06
